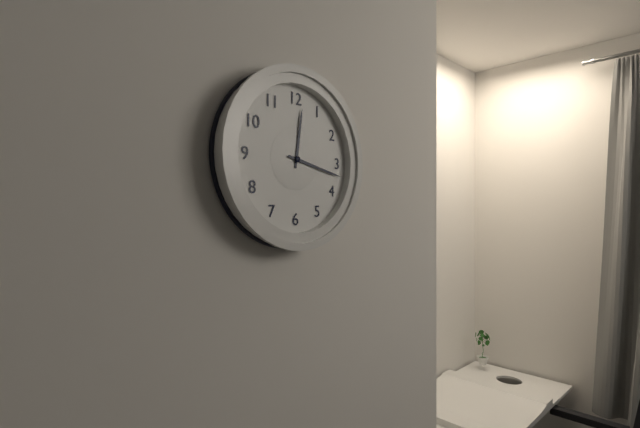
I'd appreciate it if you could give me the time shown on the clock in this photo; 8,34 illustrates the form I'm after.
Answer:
12,17
